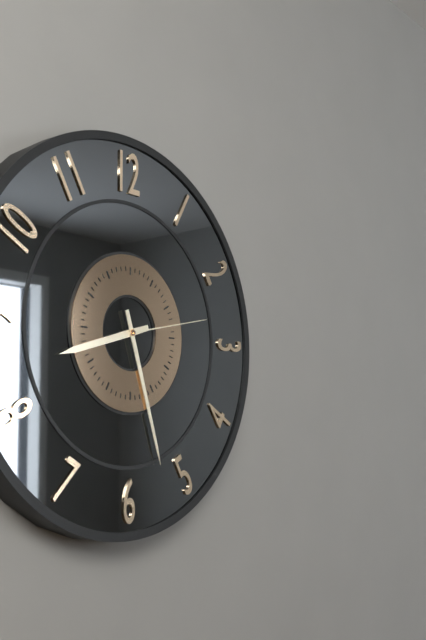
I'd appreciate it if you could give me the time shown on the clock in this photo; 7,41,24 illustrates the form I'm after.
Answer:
8,27,13
